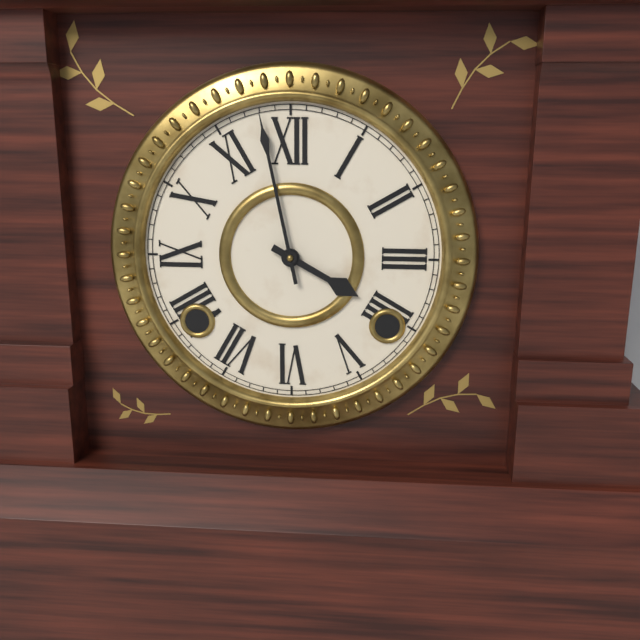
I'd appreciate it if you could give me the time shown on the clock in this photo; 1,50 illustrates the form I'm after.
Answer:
3,58
